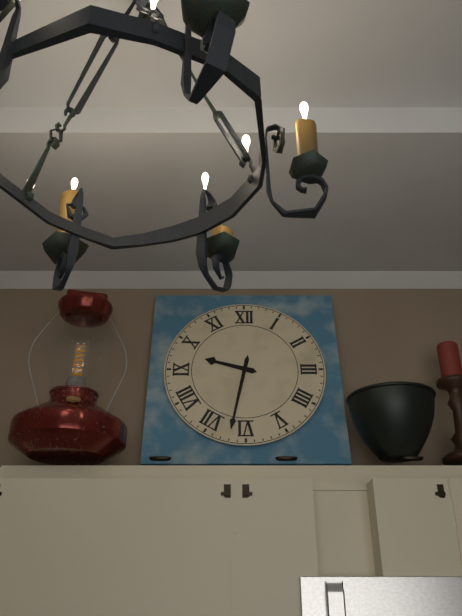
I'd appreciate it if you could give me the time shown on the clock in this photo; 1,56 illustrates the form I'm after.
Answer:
9,32
